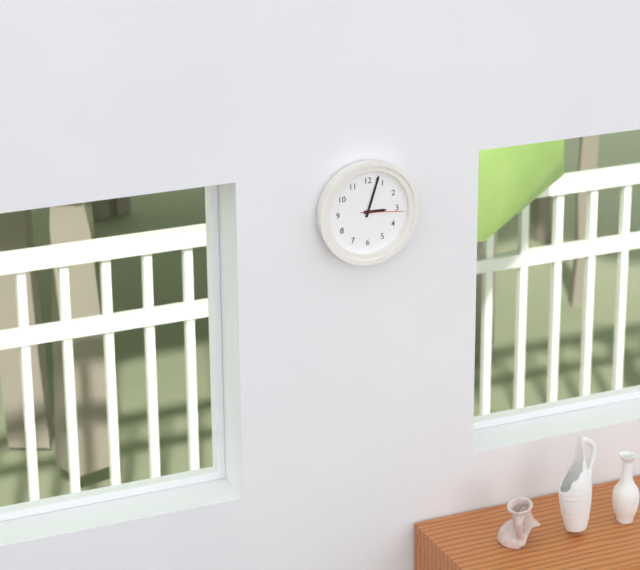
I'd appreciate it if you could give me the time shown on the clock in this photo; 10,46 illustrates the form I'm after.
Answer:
3,03
